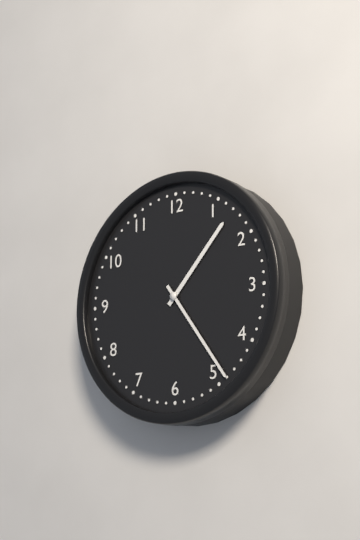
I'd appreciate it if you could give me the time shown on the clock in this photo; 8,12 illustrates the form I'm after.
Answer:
1,24
